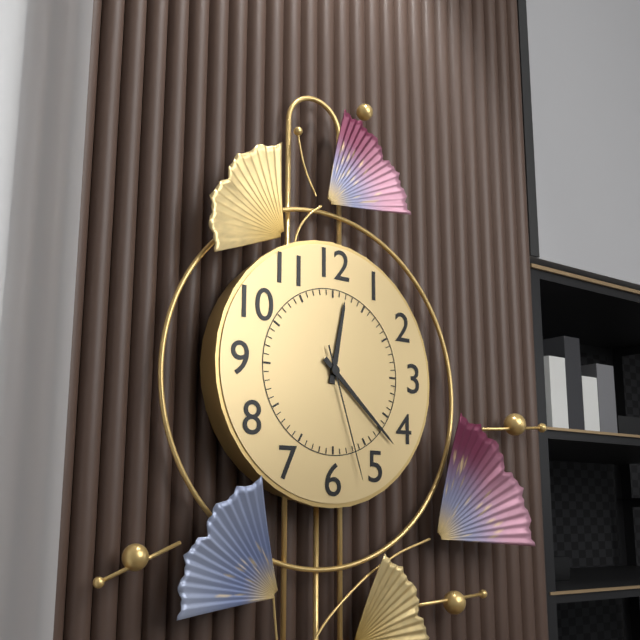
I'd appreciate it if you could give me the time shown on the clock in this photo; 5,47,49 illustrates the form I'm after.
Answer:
12,22,27
